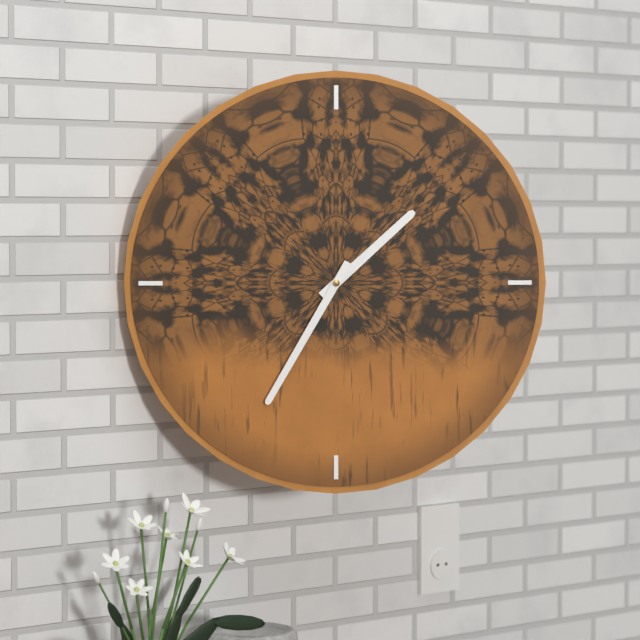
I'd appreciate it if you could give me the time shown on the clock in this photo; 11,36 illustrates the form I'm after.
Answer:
1,35
